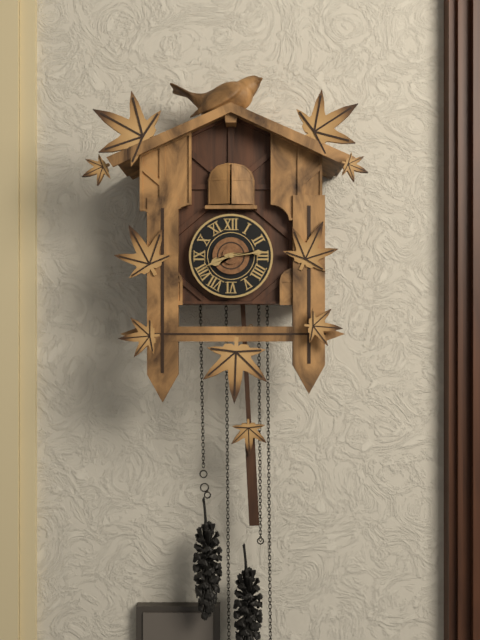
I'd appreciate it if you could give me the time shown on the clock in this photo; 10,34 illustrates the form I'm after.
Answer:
8,14
